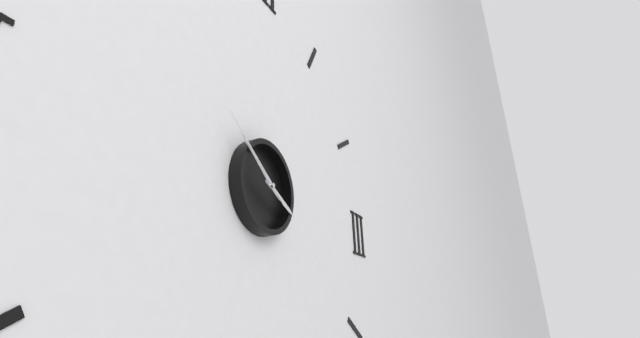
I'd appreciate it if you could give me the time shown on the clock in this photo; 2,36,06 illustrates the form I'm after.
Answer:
3,51,51
